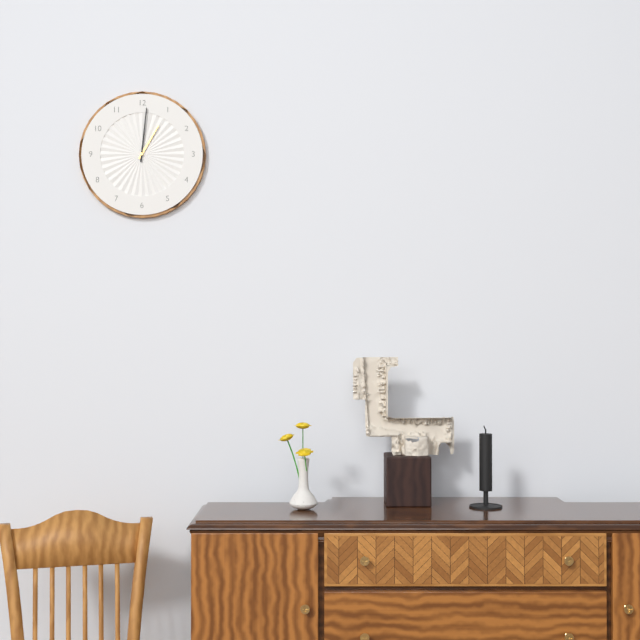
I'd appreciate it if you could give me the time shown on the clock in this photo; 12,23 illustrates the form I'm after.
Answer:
1,01
